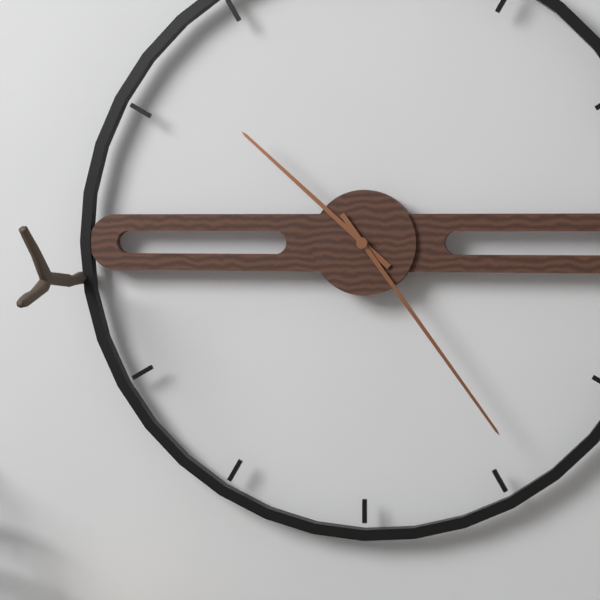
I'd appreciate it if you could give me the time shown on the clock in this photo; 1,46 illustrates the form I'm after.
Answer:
10,24
